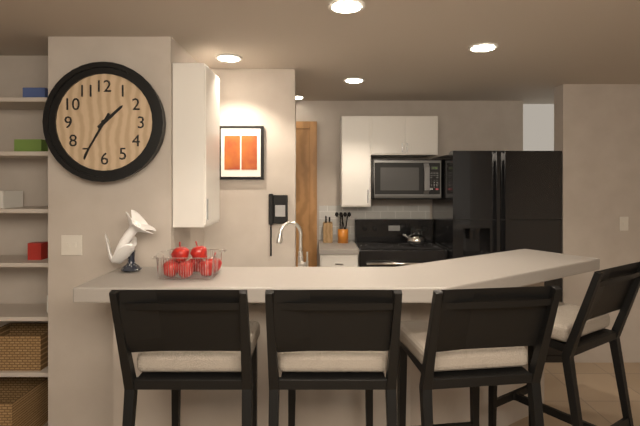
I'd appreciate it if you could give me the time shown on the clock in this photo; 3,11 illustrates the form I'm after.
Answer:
1,35
